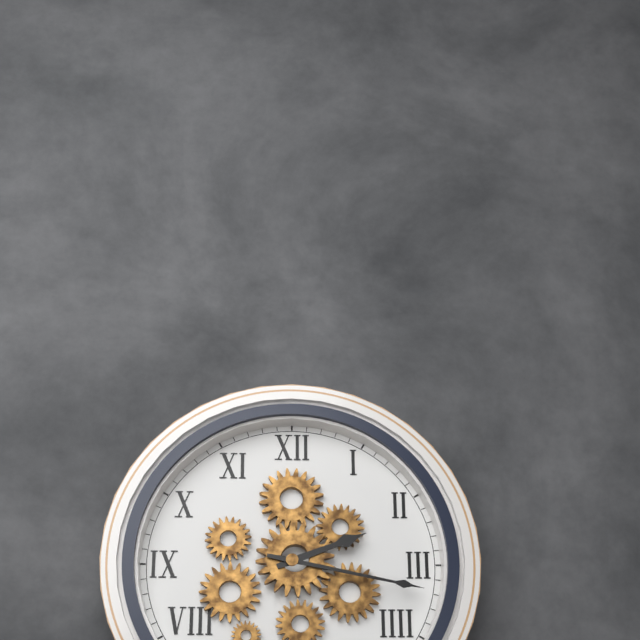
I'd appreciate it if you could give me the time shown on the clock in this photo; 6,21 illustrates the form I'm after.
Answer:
2,17
